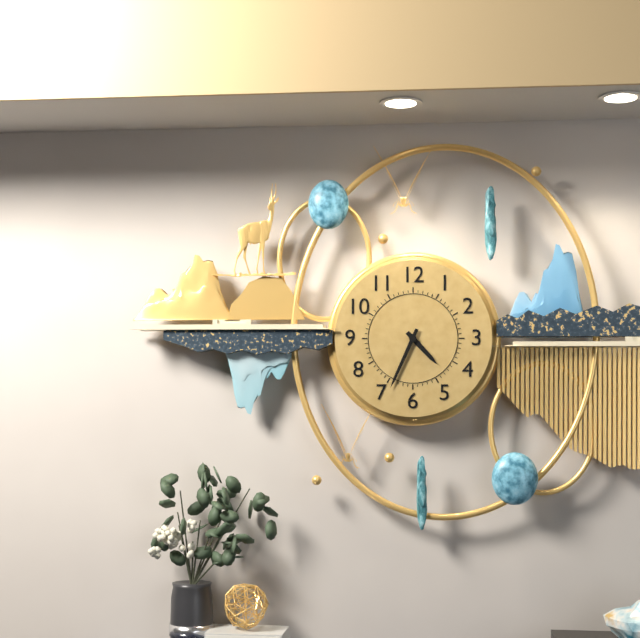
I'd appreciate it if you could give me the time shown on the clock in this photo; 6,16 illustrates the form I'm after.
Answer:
4,34
